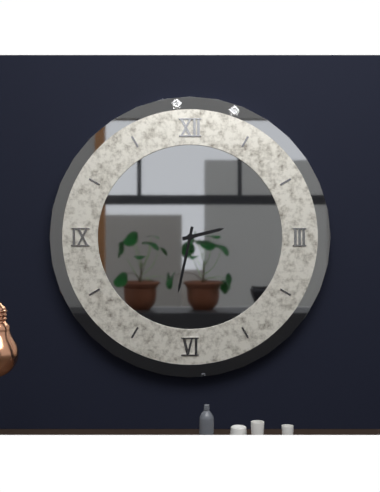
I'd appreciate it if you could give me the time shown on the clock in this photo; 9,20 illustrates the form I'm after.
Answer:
2,32
